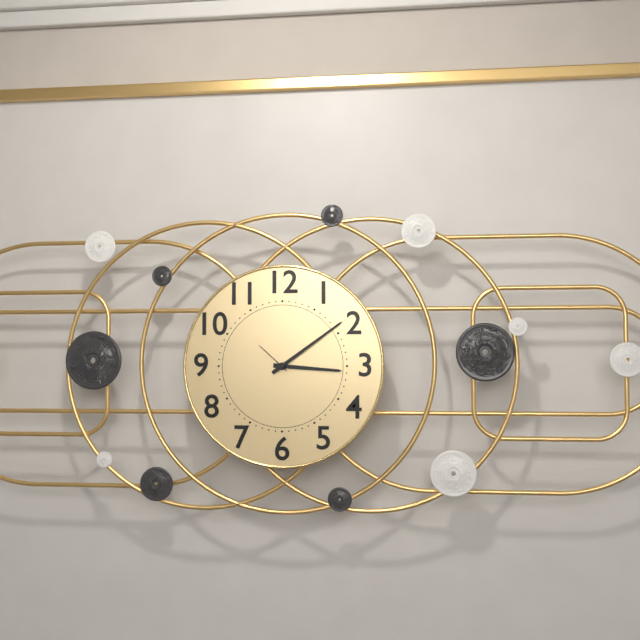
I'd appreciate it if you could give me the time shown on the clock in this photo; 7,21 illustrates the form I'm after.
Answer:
3,09
